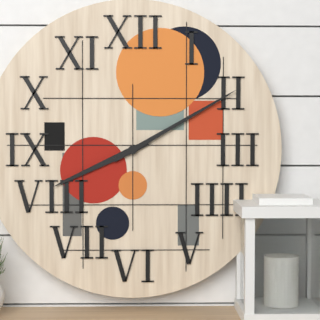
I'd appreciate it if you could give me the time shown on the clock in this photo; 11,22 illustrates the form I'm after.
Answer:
8,10
